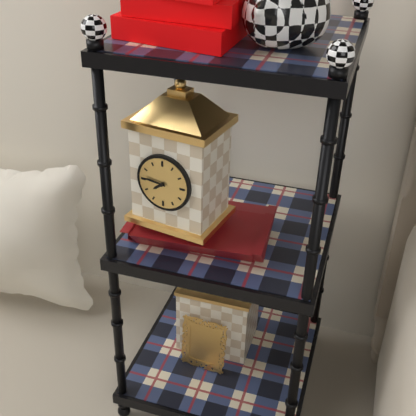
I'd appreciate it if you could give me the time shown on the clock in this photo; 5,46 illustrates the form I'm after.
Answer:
7,46
